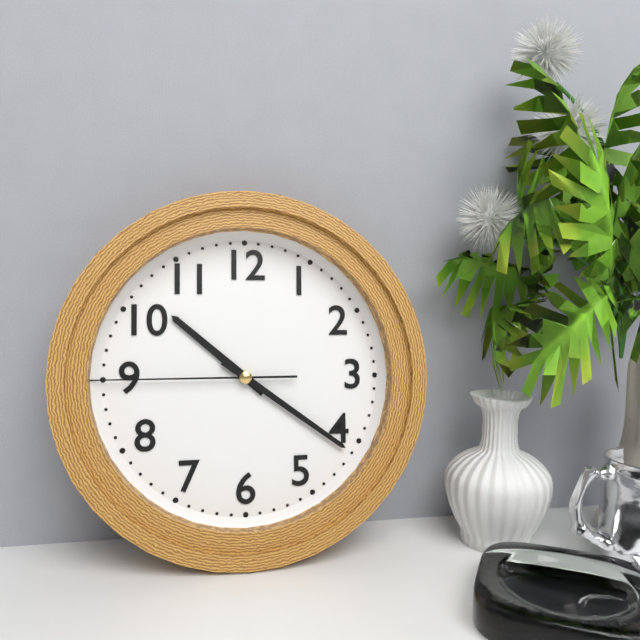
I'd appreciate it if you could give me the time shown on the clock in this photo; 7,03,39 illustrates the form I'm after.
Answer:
10,21,45
